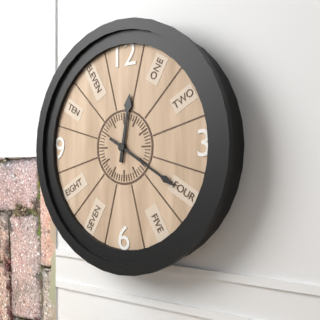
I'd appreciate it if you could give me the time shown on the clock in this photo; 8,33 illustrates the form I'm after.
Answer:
12,20
